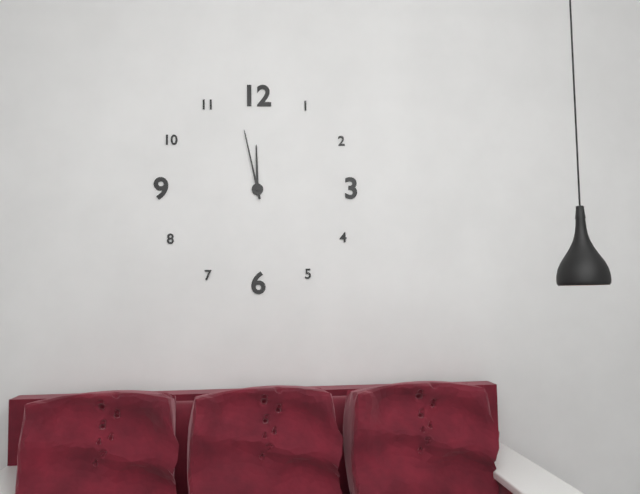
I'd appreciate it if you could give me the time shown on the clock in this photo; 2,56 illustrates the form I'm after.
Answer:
11,58
